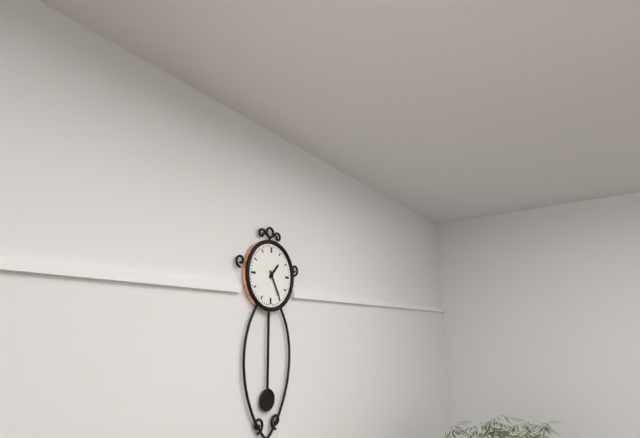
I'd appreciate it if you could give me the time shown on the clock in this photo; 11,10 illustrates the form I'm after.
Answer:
1,25
